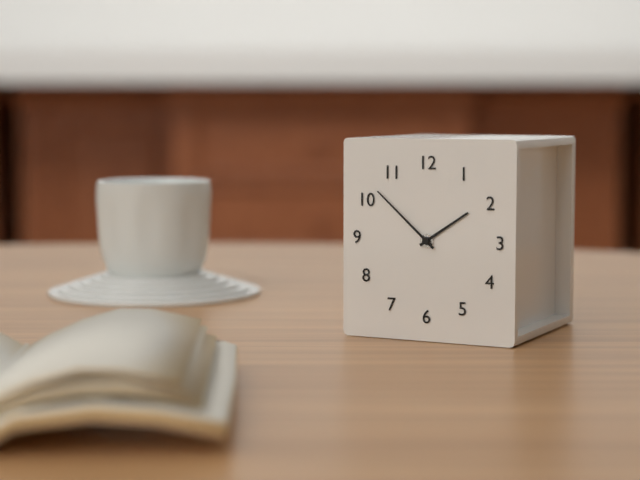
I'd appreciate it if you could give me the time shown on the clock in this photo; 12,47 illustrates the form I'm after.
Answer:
1,52
